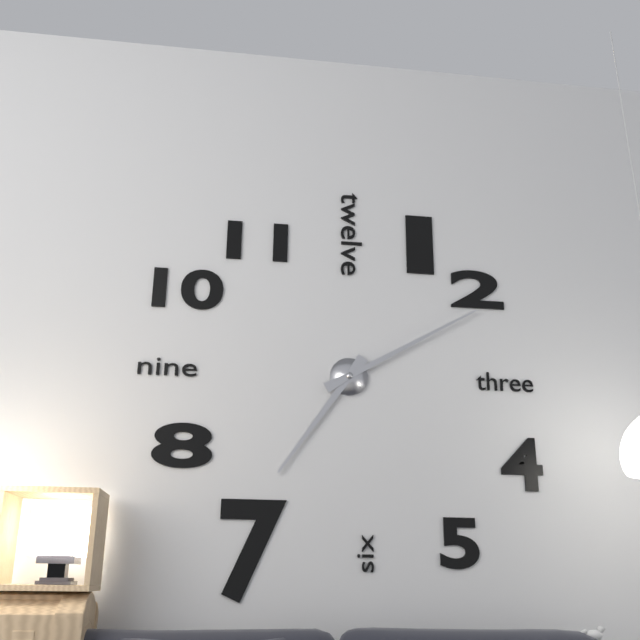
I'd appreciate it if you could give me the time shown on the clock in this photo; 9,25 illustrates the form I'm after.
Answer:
7,10
